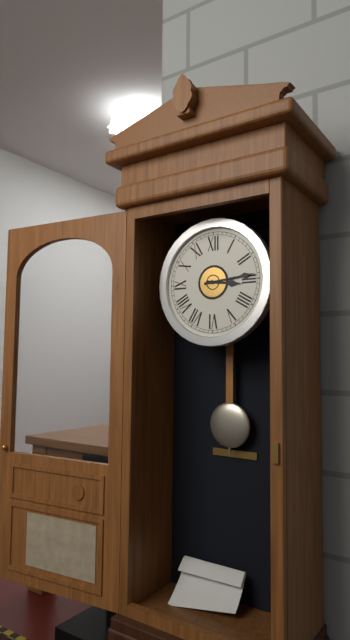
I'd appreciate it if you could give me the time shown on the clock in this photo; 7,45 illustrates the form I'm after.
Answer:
3,14
